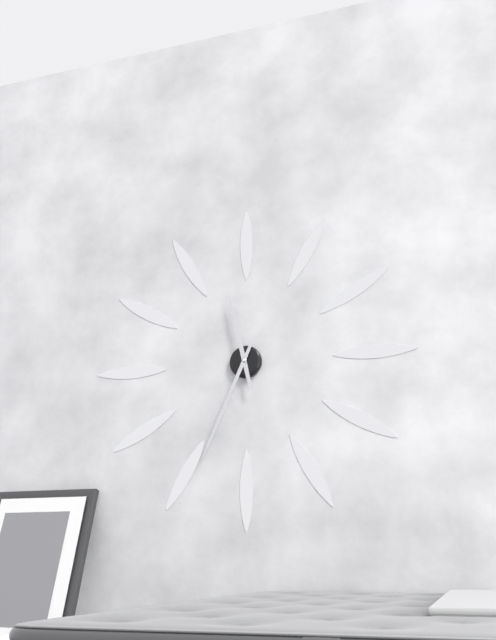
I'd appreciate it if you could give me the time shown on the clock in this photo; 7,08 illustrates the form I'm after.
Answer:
11,34
